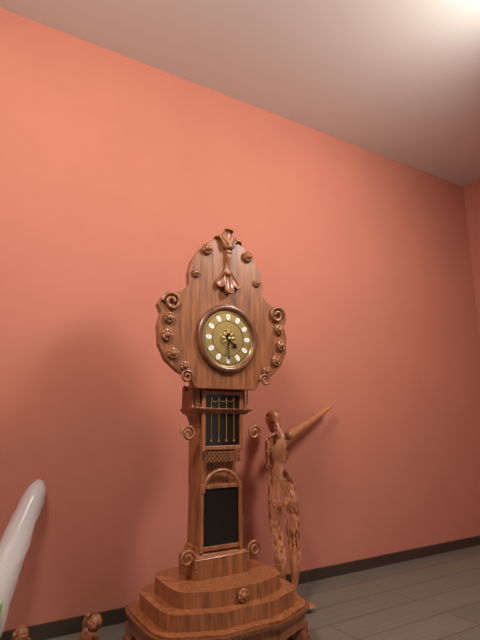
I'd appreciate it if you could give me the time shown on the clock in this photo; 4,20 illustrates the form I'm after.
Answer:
4,30
